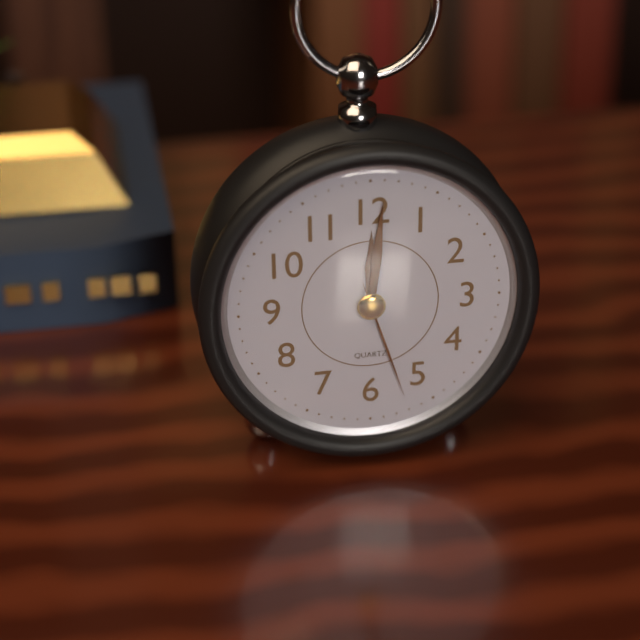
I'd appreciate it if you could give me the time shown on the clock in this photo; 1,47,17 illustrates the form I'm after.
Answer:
12,01,27
